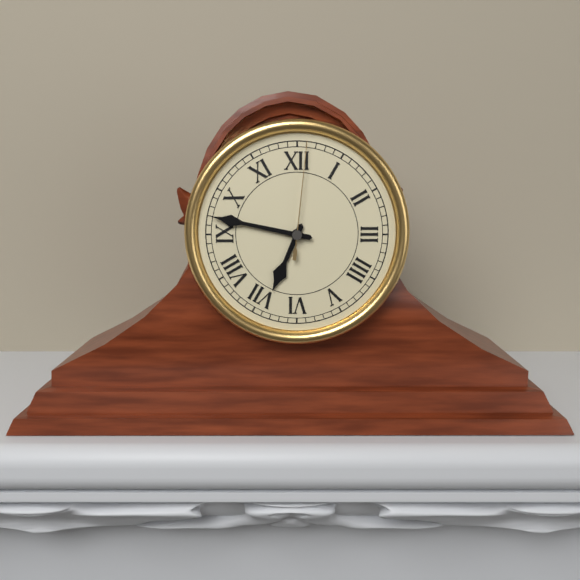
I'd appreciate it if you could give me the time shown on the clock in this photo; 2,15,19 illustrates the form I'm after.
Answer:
6,47,01
